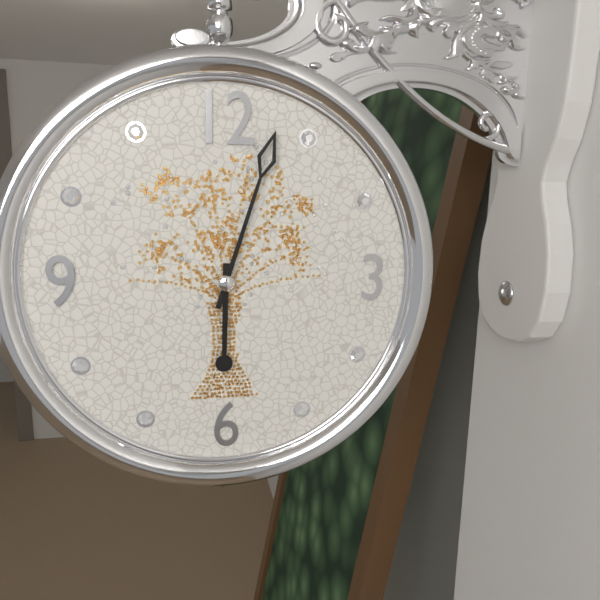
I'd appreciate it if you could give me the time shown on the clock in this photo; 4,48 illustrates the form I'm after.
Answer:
6,03
